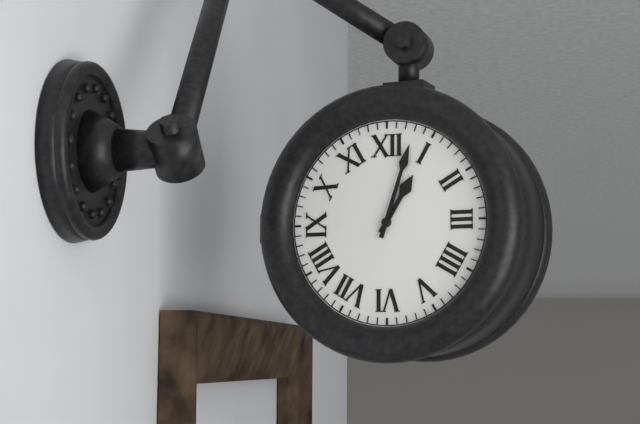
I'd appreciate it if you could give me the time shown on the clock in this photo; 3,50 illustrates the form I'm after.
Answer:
1,03
